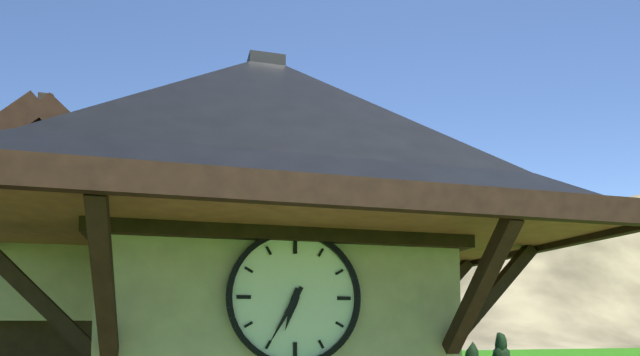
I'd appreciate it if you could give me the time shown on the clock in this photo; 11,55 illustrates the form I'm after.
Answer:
6,35
